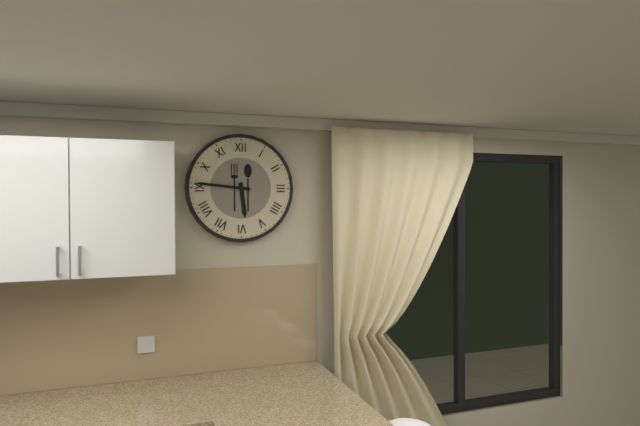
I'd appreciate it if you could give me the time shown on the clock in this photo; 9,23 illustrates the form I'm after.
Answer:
5,46
